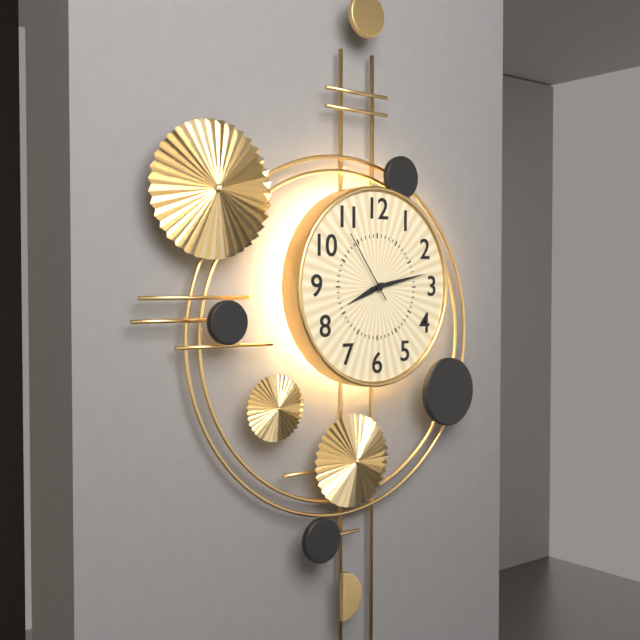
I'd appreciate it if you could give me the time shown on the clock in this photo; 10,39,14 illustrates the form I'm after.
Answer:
8,13,54
